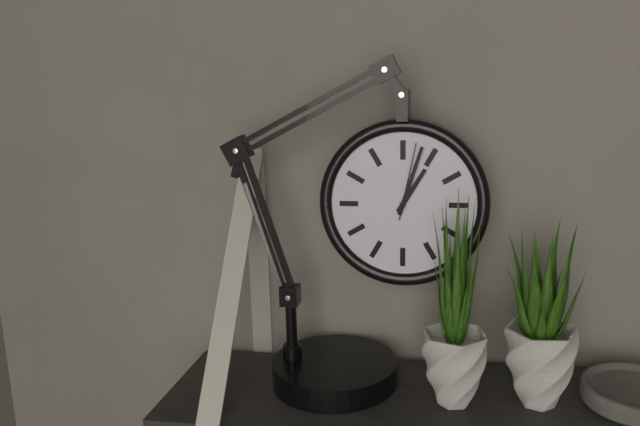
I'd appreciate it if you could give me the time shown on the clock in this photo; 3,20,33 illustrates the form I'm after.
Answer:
1,03,02
